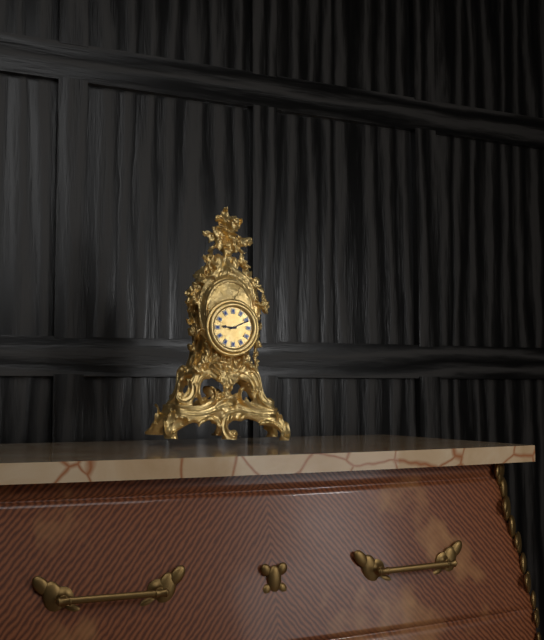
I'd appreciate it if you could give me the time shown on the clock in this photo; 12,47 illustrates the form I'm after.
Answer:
9,11
